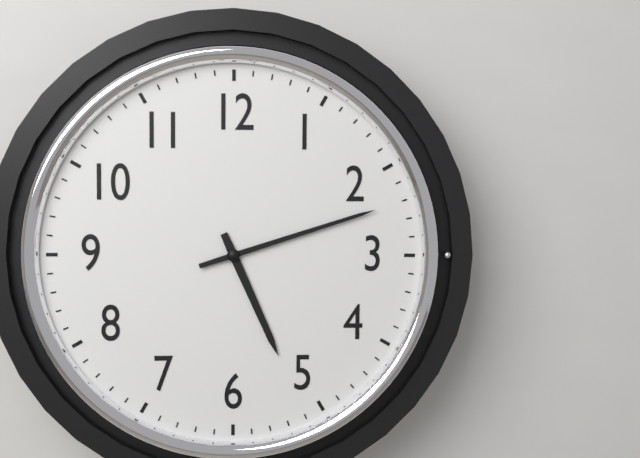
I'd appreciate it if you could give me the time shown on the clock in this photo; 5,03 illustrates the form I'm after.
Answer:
5,12
